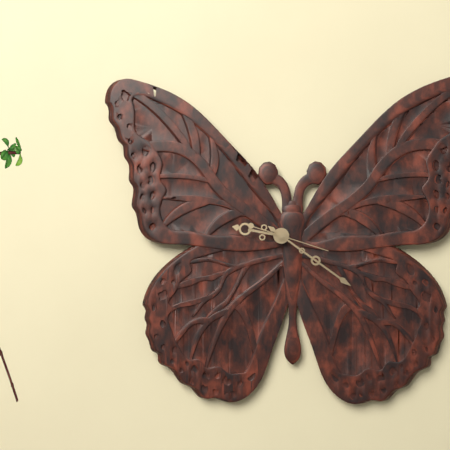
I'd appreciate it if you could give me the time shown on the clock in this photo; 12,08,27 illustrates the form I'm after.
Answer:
9,21,18
